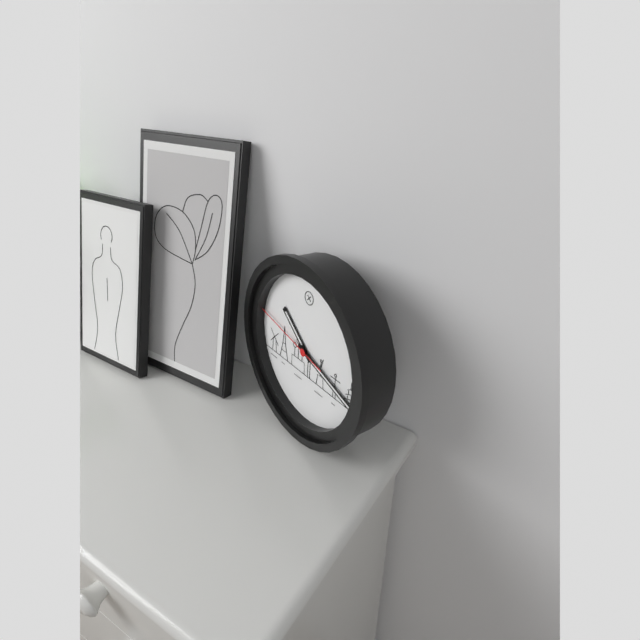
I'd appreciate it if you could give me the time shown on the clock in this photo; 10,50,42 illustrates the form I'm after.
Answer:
10,18,47
